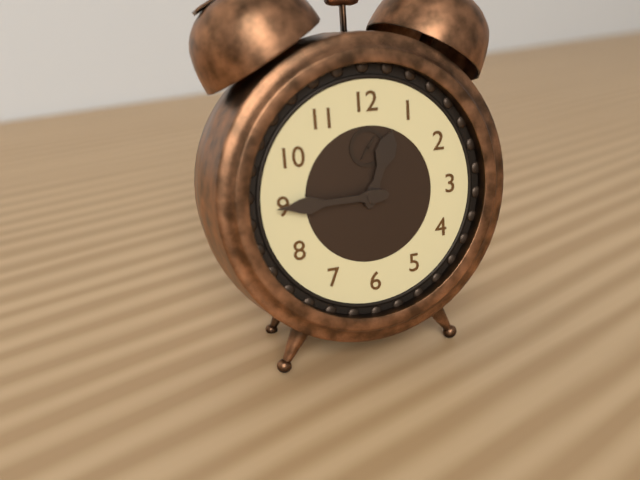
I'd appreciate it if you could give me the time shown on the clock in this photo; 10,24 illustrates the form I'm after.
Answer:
12,45
